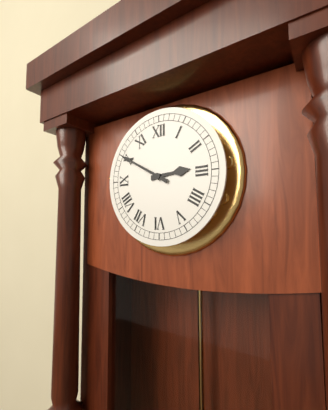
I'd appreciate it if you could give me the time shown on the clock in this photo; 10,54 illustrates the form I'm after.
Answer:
2,50
